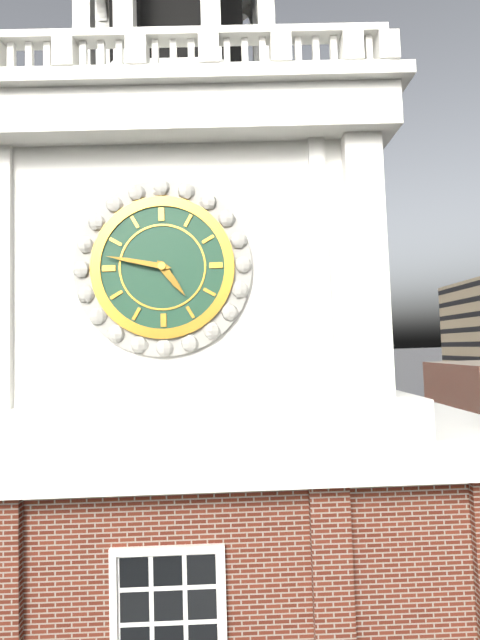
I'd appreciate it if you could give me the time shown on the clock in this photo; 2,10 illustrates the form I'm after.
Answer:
4,47
